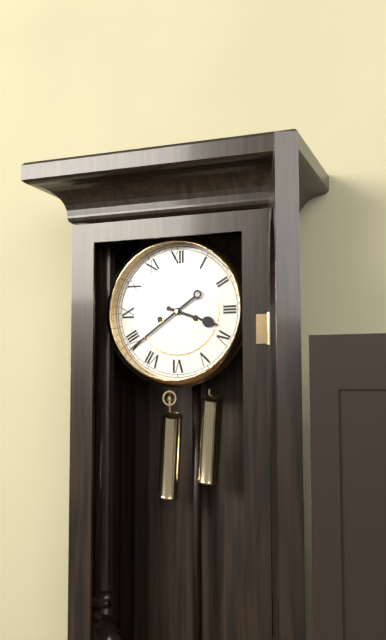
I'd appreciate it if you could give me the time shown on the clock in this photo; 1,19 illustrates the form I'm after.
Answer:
3,39
